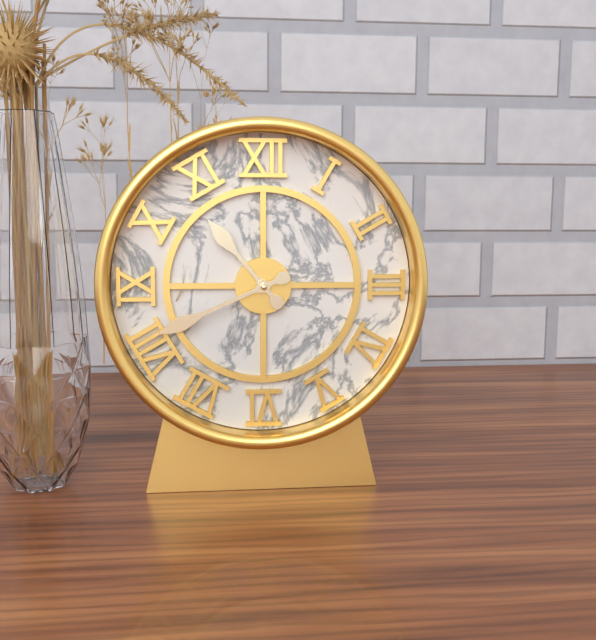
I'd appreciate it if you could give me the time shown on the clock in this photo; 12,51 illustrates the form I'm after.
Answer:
10,41
